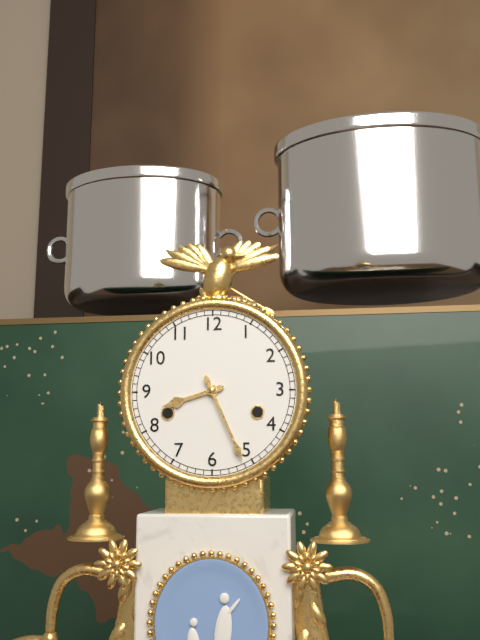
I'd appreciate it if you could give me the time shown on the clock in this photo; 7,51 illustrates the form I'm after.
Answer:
8,26
